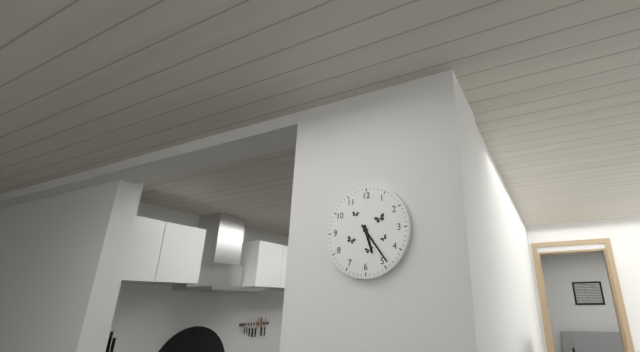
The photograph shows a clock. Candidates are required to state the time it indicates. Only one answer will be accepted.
5:24
